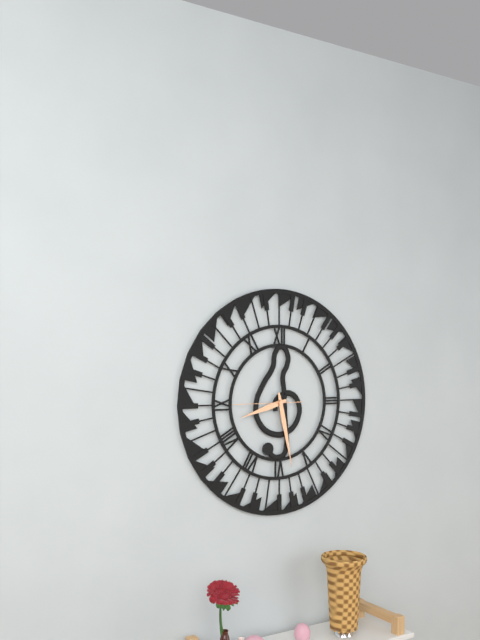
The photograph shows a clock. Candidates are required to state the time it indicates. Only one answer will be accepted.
8:28:45
